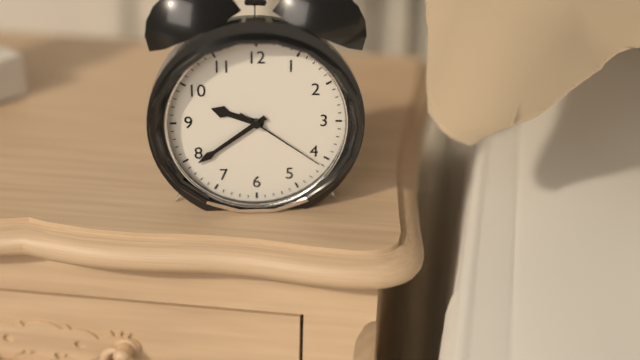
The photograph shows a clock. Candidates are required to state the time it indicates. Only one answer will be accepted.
9:39:21
